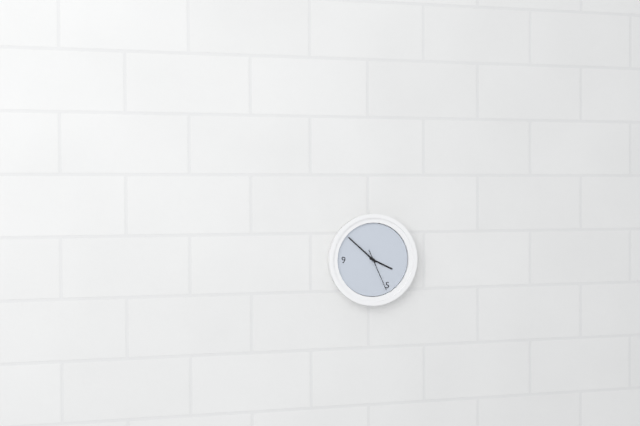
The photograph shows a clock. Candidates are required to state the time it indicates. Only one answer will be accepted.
3:52
